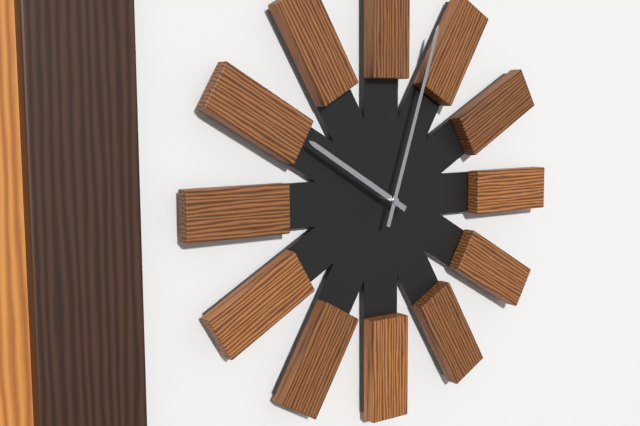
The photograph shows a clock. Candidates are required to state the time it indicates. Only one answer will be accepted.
10:03
